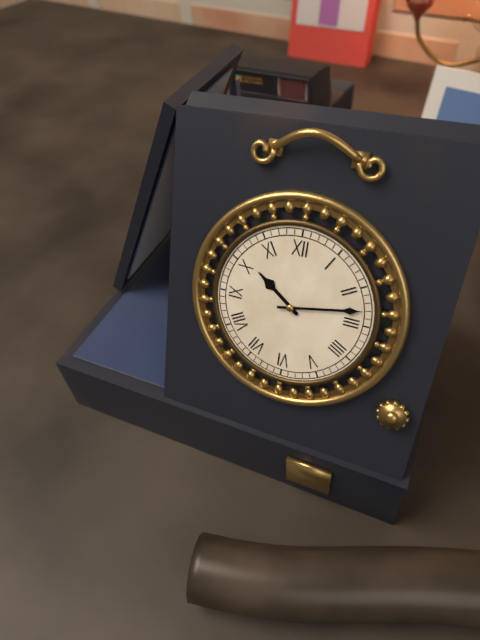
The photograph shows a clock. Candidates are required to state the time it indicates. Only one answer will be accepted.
10:13
